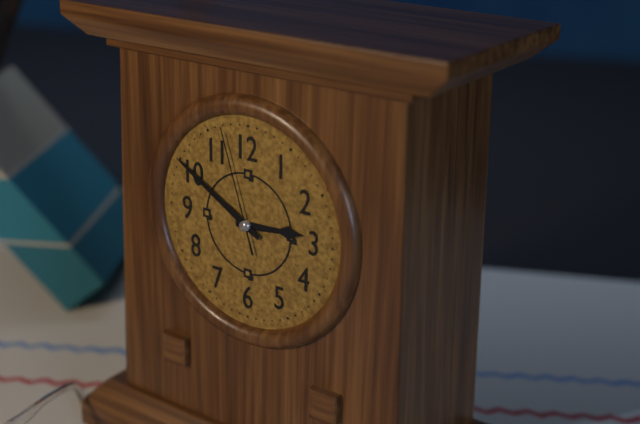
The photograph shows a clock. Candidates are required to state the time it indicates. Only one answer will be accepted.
2:50:57
